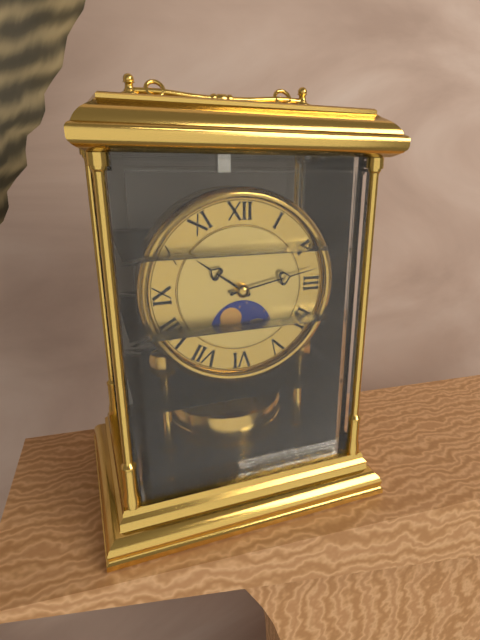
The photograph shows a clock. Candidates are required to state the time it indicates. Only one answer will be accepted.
10:13
